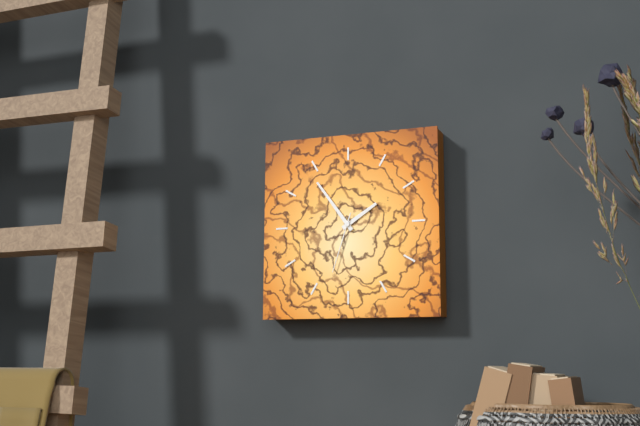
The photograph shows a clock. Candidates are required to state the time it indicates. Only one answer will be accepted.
1:54:33
